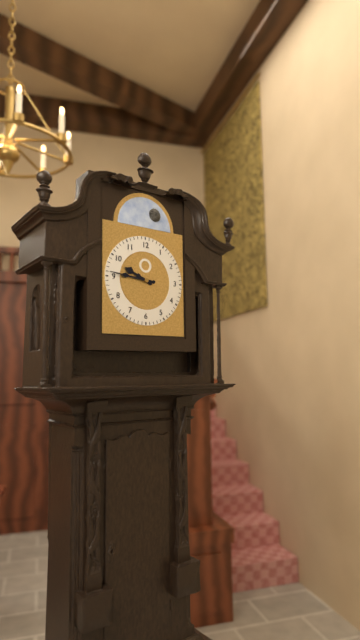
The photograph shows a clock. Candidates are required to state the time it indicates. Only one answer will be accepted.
9:46
